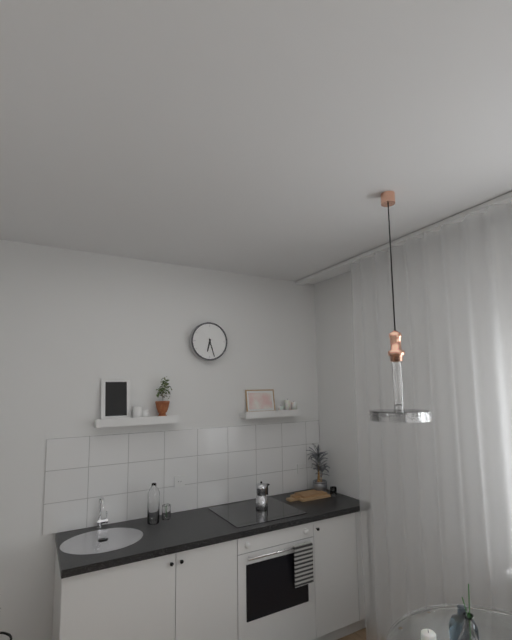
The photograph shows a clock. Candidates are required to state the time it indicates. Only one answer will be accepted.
6:27
